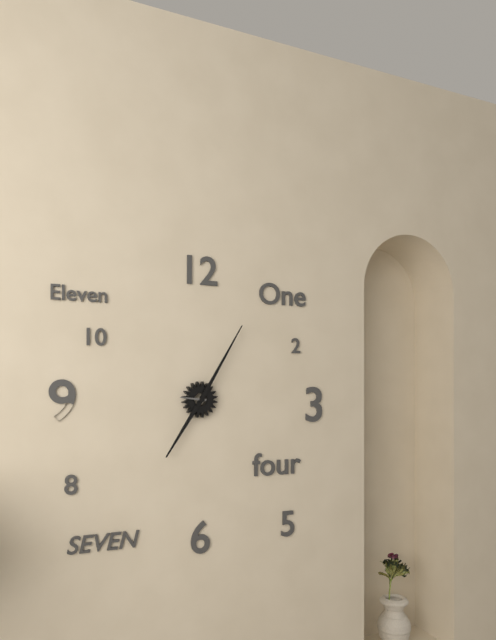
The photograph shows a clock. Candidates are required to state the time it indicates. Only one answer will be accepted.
7:05
